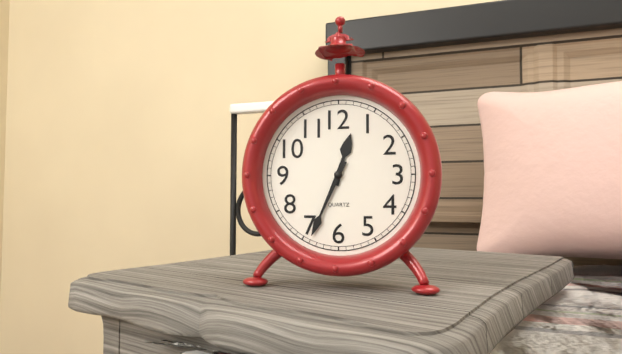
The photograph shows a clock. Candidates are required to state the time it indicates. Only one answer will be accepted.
12:34
